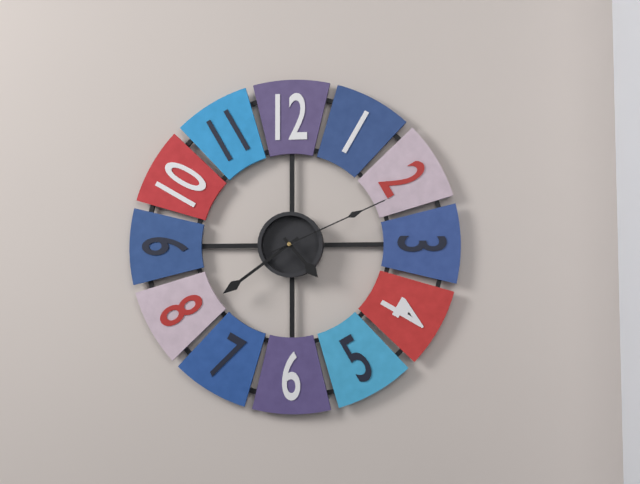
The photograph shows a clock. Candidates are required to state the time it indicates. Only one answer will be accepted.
4:39:11
